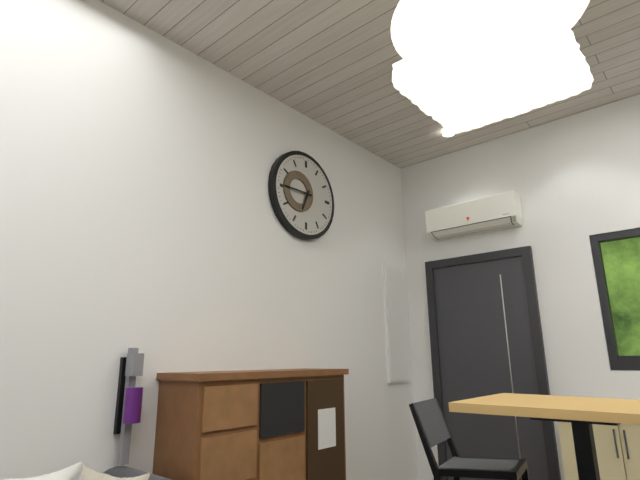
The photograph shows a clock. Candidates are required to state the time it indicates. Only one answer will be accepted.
6:45
